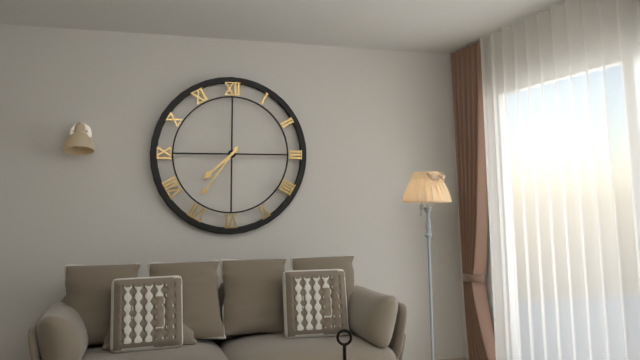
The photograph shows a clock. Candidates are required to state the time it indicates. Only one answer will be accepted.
7:36
